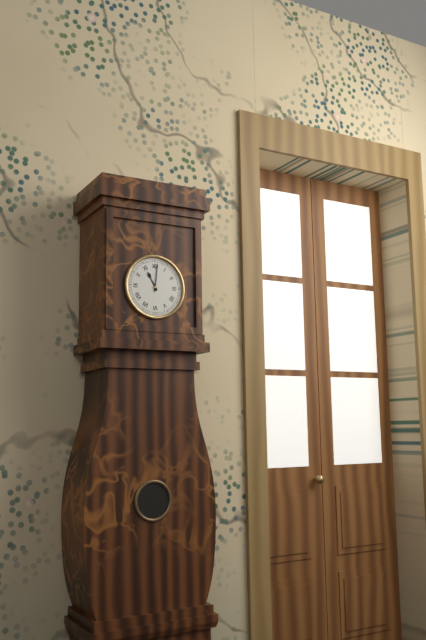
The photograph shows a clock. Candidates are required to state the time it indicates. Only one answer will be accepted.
11:01
